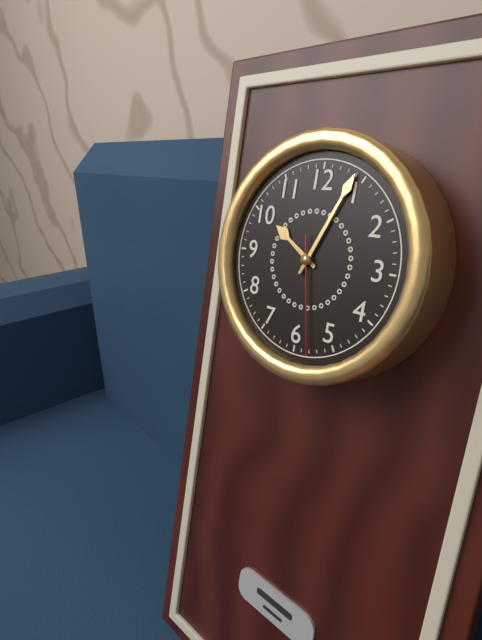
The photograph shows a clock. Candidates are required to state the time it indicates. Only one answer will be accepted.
10:04:28
